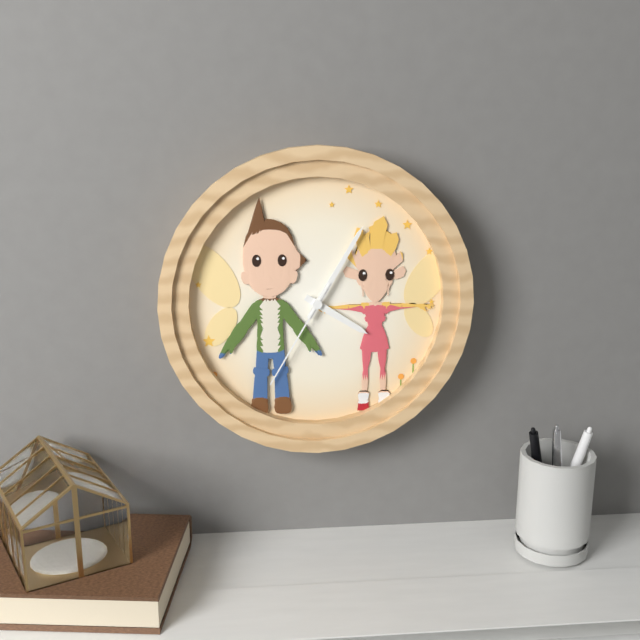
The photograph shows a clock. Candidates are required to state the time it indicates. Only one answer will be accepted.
4:05:35
